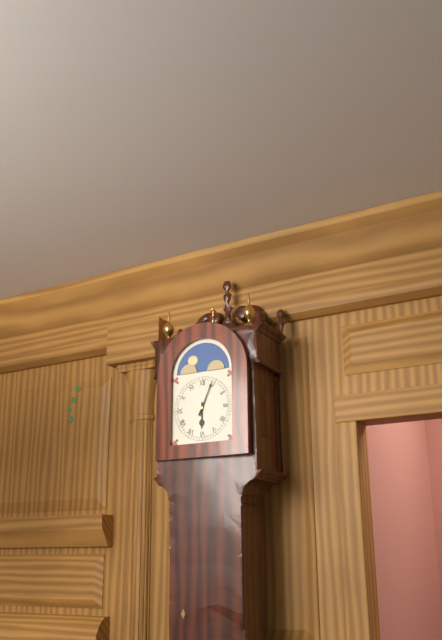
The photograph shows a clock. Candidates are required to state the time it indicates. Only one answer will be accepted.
6:04
